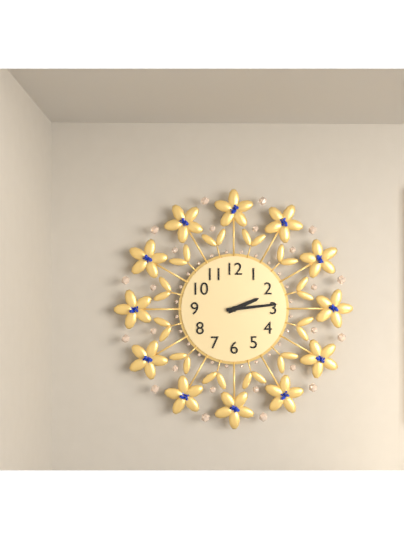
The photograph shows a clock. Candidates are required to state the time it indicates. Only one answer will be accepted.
2:14
